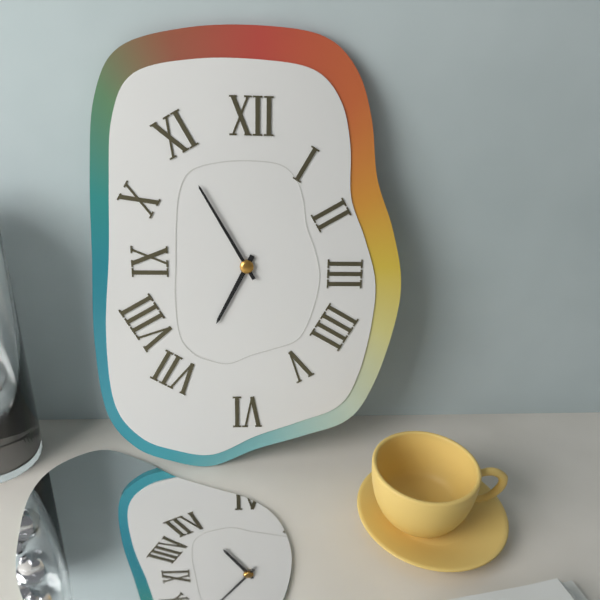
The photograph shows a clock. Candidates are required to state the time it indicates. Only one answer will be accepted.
6:55
